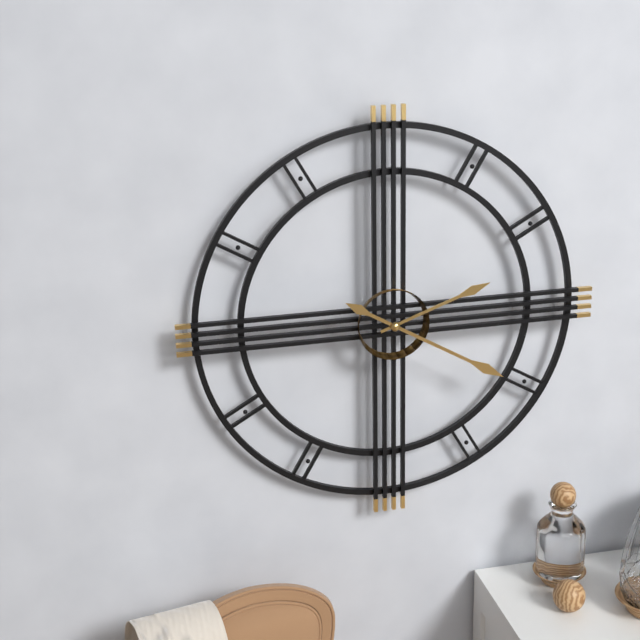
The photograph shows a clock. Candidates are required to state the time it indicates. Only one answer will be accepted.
2:20
